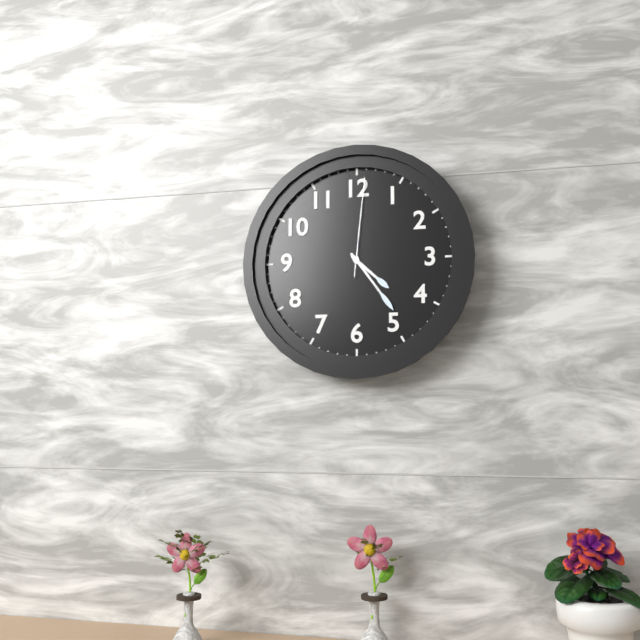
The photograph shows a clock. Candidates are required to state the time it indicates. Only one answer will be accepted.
4:24:01
